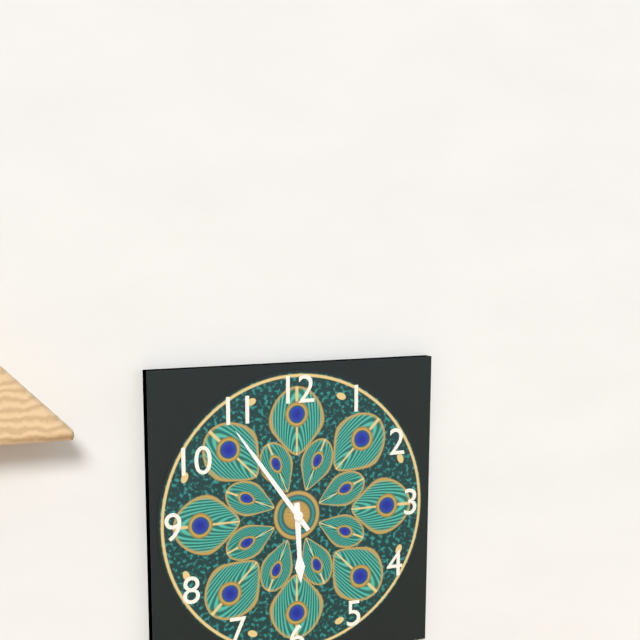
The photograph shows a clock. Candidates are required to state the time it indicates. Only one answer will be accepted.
5:54
